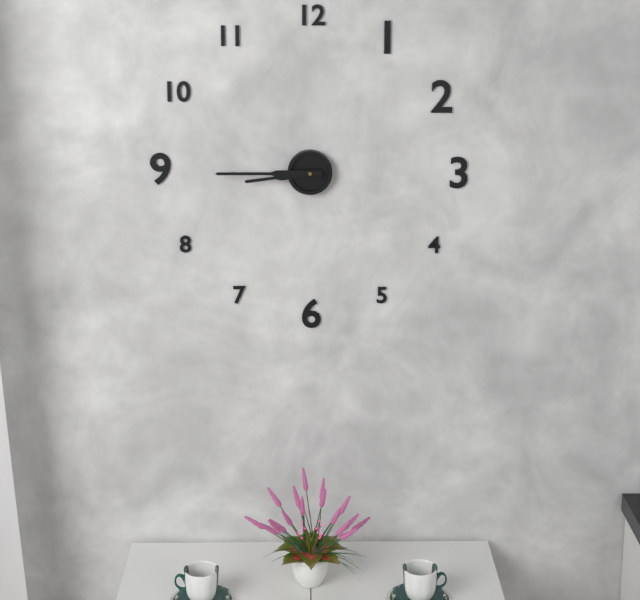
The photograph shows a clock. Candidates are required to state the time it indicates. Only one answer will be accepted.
8:45
